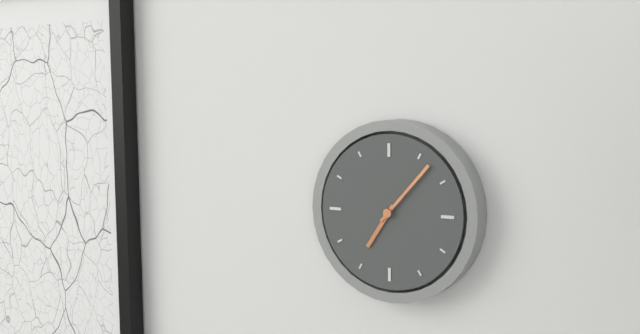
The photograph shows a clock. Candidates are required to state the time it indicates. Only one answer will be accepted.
7:07
